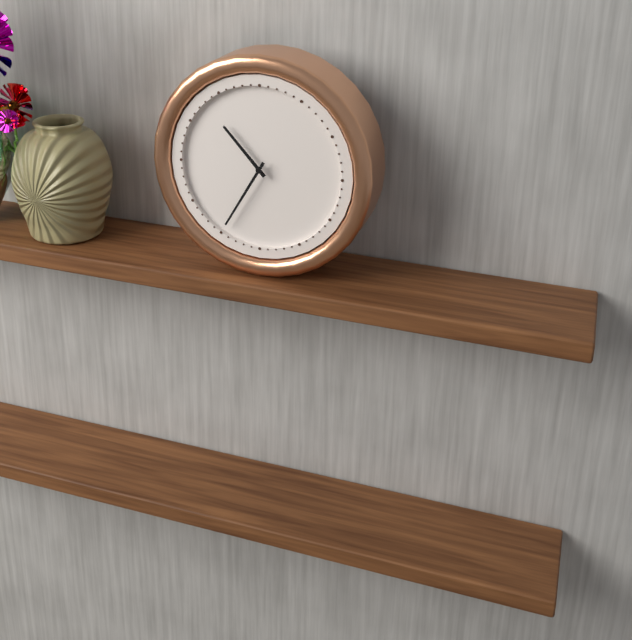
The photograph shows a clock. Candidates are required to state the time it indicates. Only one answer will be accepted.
10:35
